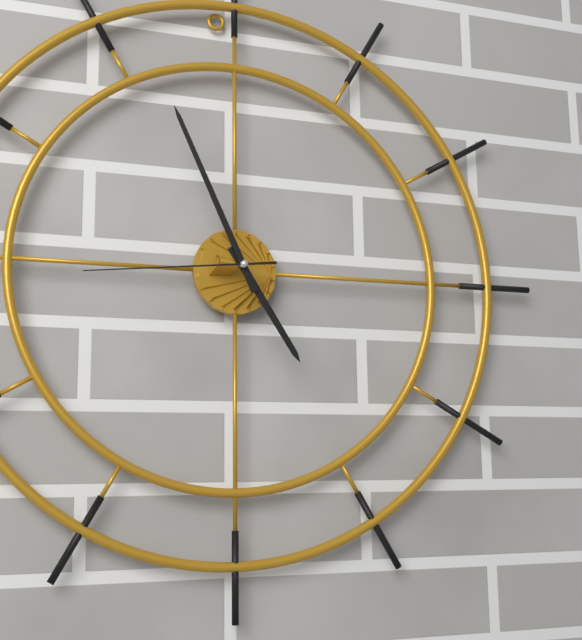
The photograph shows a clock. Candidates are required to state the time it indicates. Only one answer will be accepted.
4:56:44
